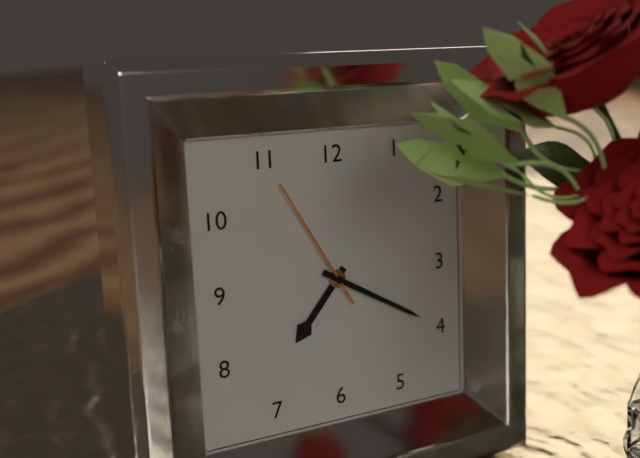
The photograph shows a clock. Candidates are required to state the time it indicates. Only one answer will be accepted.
7:20:55
